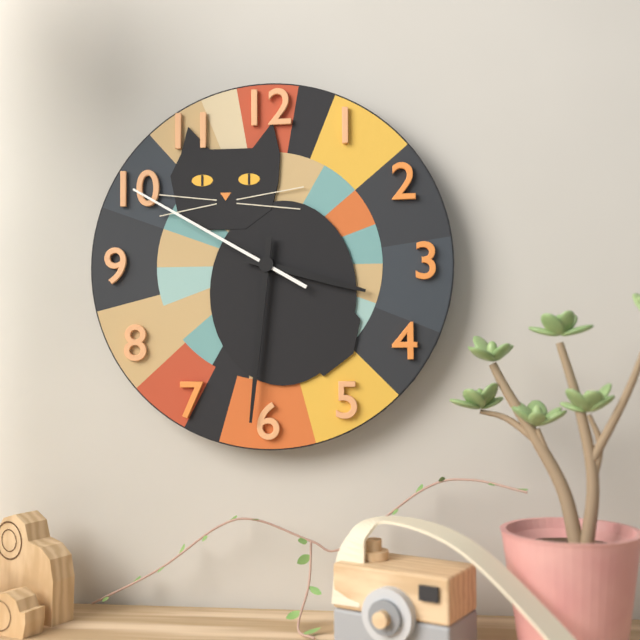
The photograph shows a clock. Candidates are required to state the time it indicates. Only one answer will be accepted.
3:31:50
